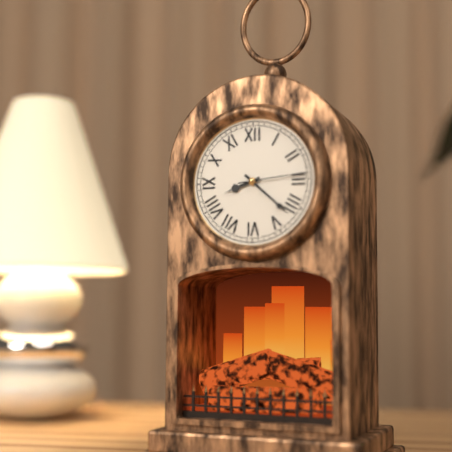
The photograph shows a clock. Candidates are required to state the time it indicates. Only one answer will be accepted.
8:22
